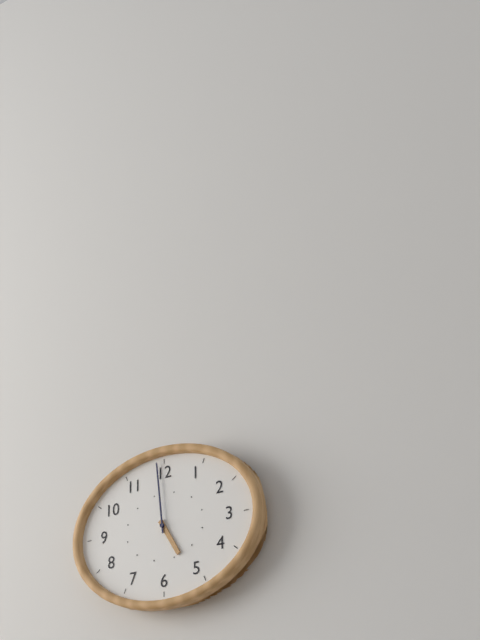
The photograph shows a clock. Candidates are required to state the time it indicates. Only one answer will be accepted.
4:59
